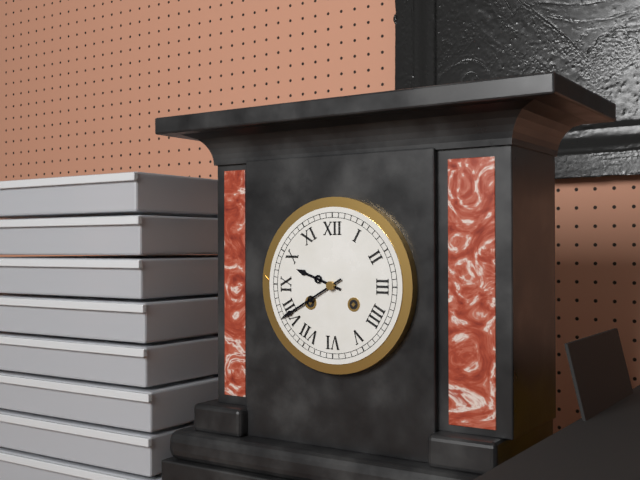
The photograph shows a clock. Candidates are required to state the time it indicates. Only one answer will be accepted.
9:40
